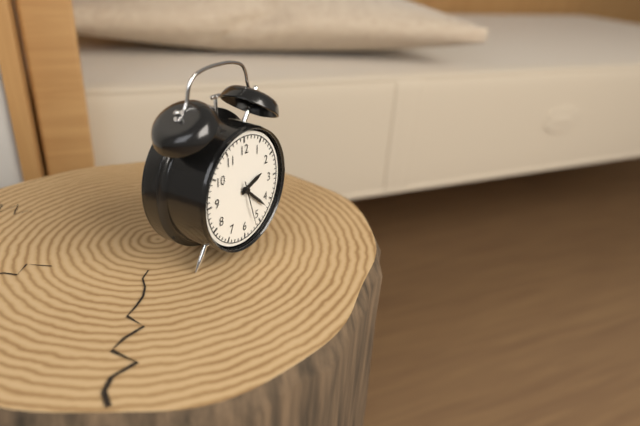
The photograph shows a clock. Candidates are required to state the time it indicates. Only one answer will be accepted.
2:22
